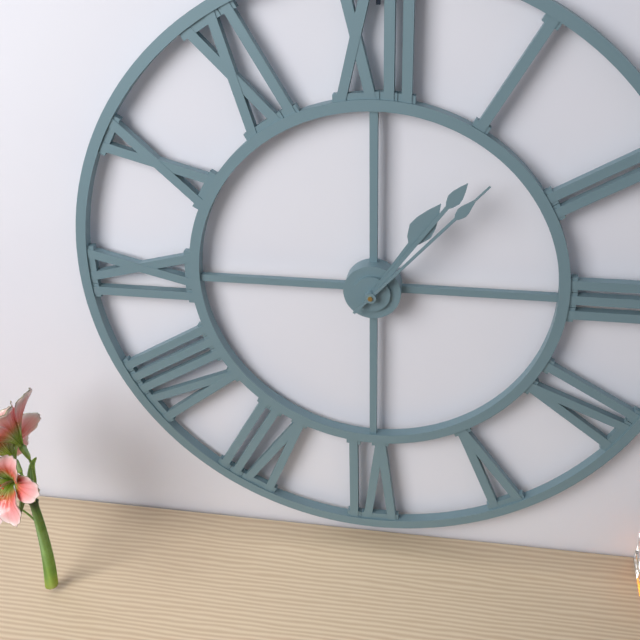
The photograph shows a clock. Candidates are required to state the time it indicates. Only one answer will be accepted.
1:06:07
